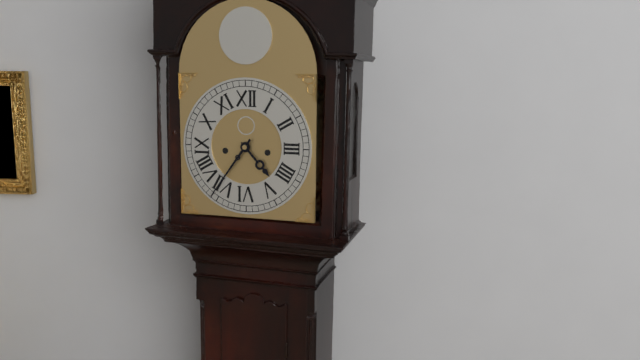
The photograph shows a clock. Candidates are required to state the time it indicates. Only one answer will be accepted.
4:36
